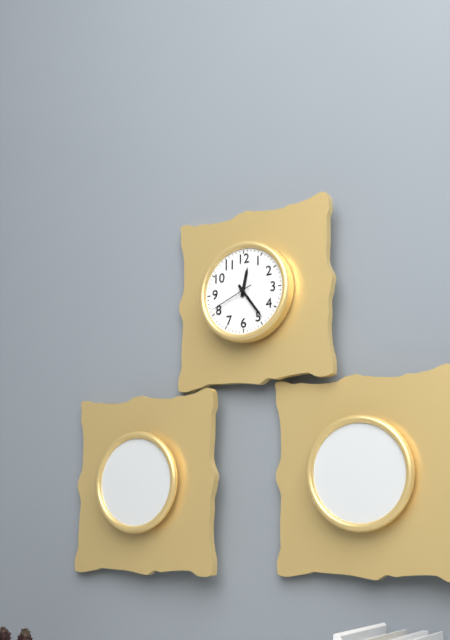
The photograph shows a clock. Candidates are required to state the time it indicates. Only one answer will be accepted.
12:24
